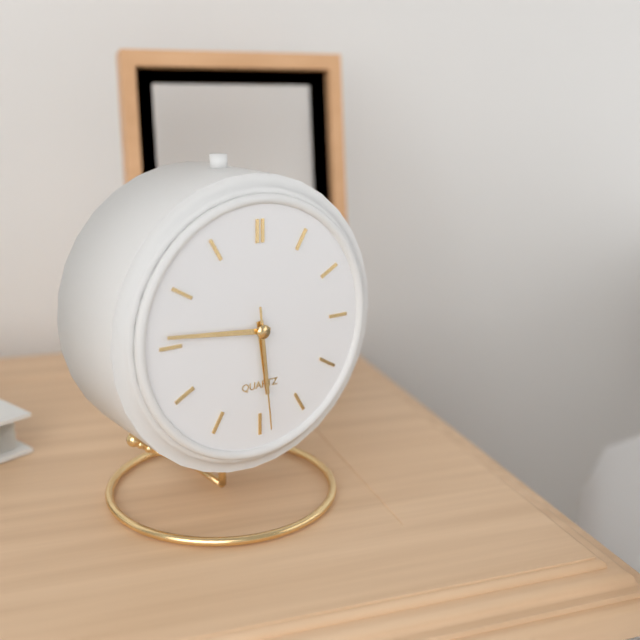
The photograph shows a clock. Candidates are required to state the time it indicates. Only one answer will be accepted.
5:46:29
